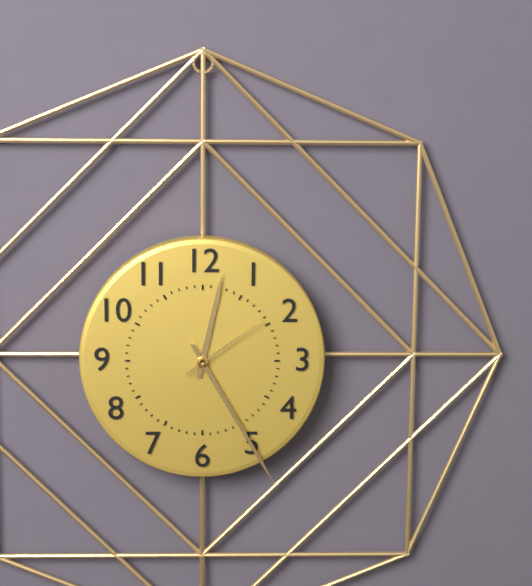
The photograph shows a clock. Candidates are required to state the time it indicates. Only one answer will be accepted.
12:25:09
